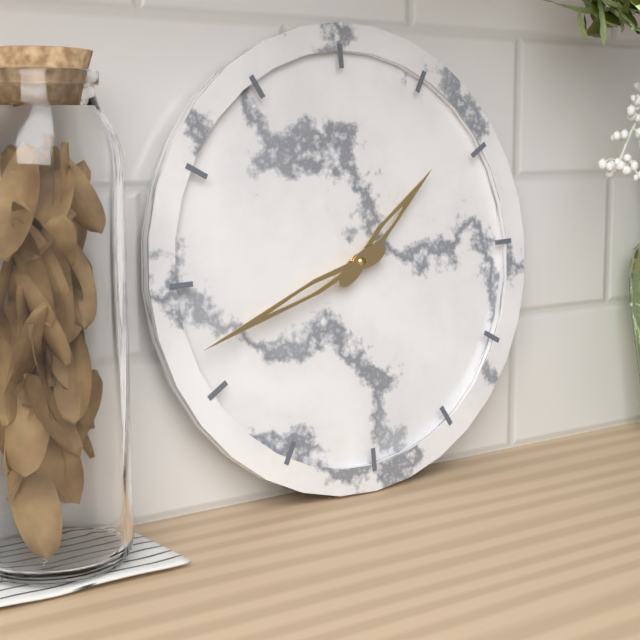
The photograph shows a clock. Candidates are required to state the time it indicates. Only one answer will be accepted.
1:42
